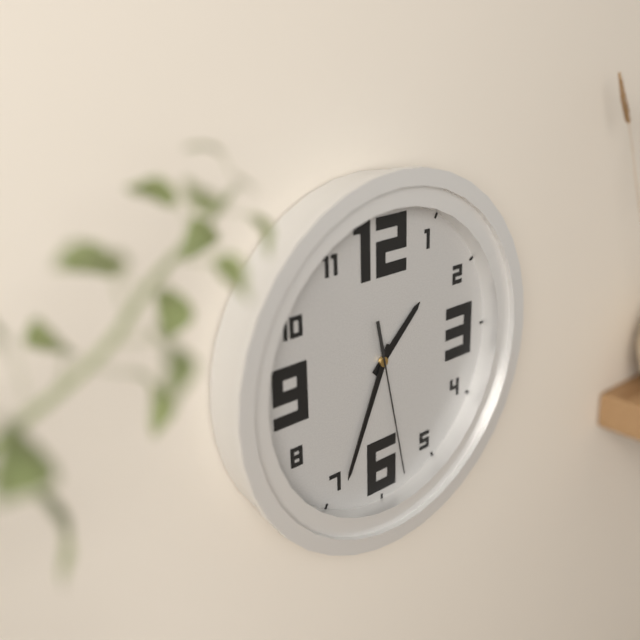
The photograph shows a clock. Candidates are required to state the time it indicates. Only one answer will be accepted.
1:34:28
